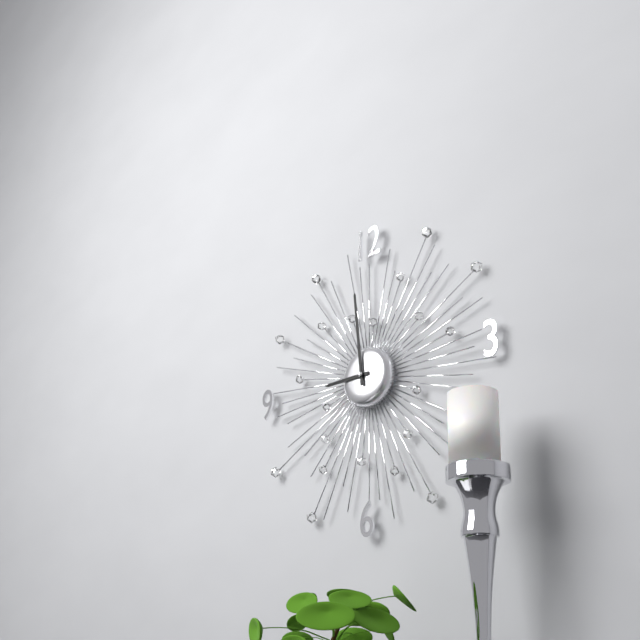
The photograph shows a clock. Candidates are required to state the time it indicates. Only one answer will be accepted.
8:59
